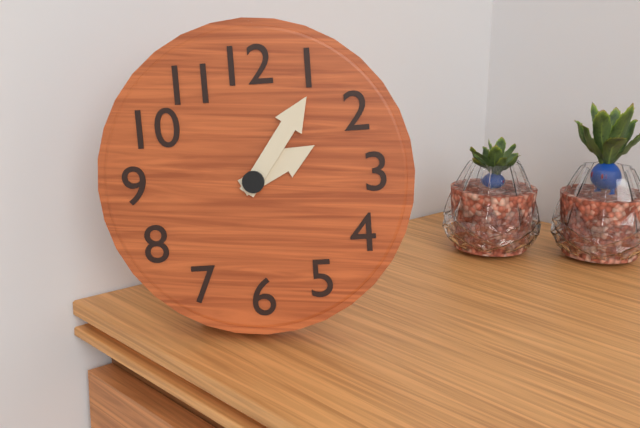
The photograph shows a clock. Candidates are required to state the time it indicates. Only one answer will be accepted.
2:06
